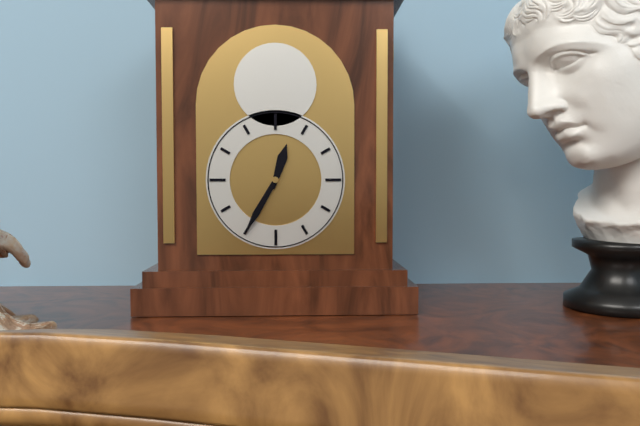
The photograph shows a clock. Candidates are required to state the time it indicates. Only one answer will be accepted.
12:35
